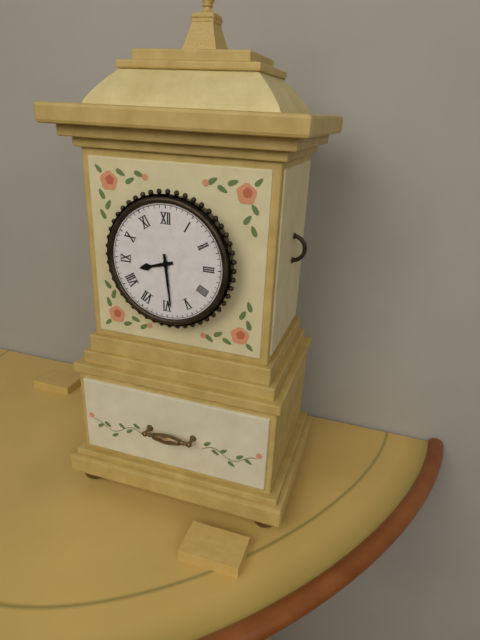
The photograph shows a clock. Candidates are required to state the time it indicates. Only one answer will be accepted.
8:29
